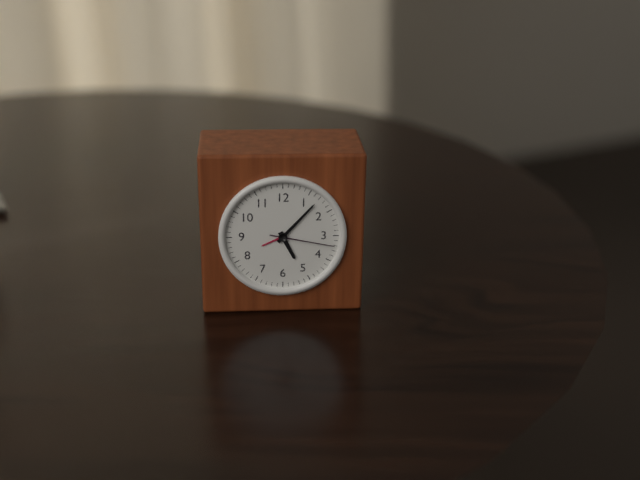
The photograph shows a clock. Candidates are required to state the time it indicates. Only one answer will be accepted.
5:07:17
